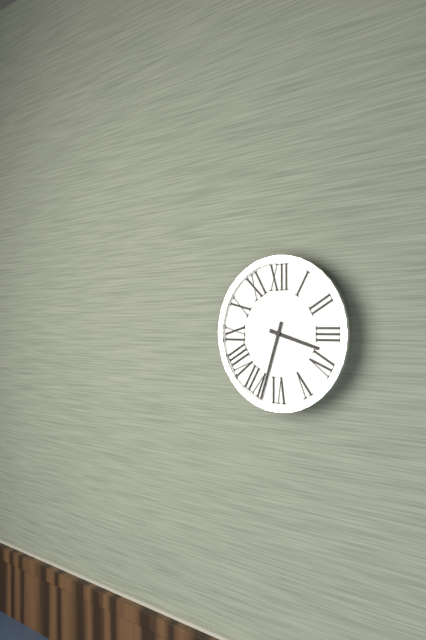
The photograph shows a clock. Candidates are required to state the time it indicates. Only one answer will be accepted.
3:33
